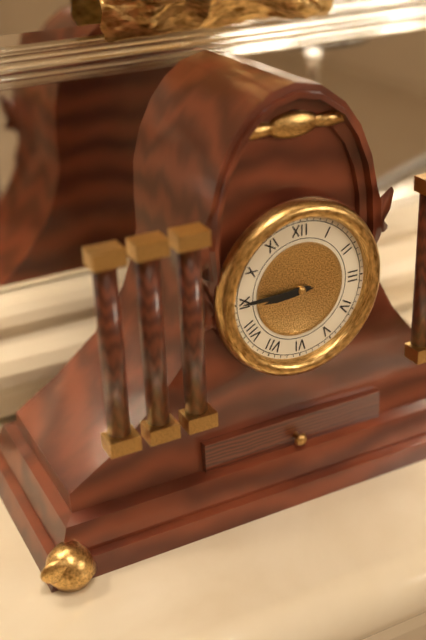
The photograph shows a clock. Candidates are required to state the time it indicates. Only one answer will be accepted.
8:45
